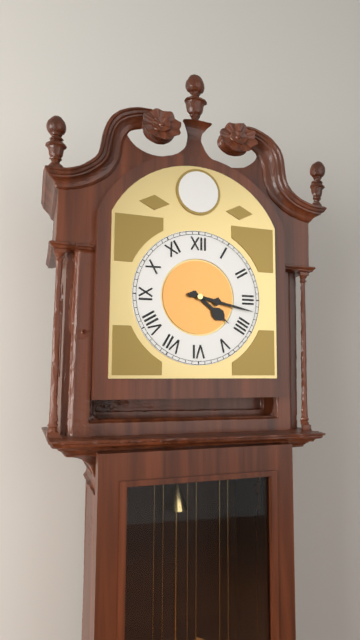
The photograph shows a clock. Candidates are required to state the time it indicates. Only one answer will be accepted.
4:17
